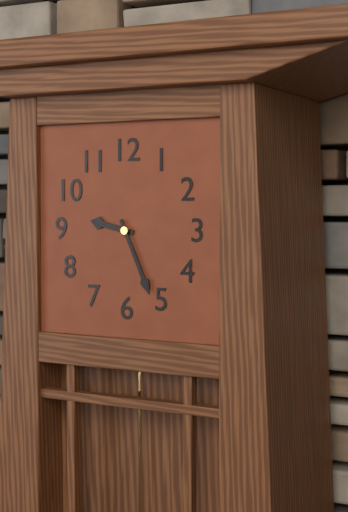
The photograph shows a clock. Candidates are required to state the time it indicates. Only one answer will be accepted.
9:26
